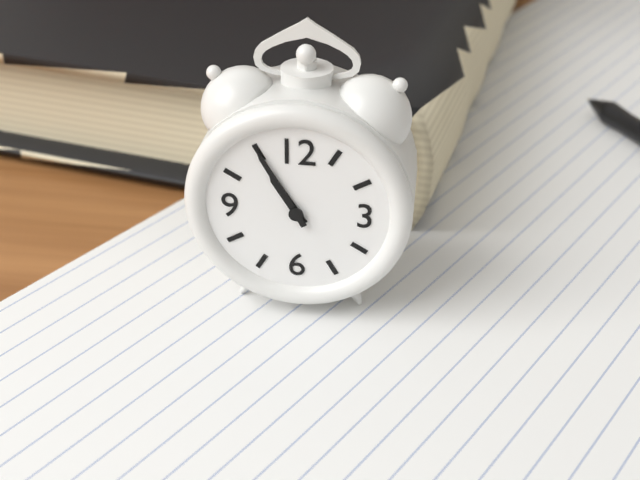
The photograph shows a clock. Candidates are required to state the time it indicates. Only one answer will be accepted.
10:55
